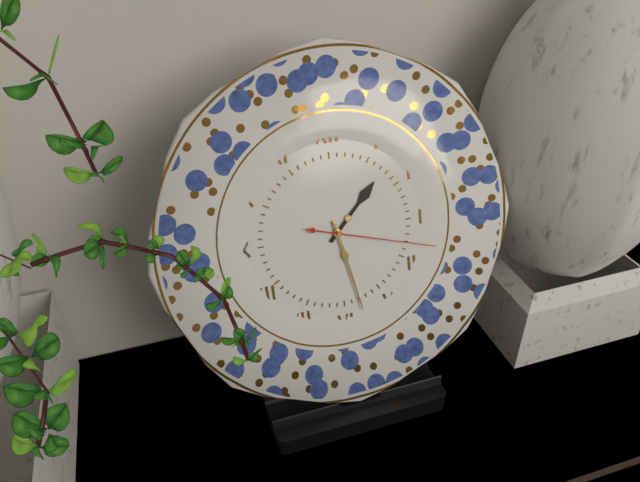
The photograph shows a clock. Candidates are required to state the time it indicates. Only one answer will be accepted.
1:28:18
